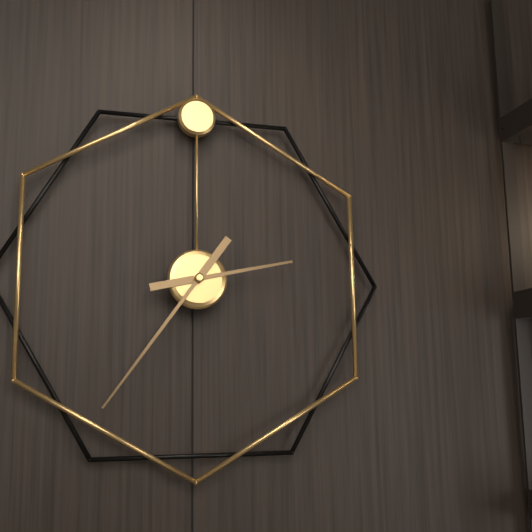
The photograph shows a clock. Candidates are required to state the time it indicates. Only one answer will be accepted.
2:36
